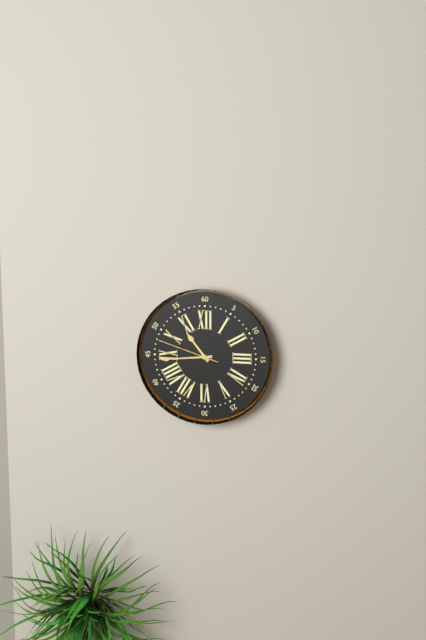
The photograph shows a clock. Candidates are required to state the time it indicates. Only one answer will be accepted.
10:44:48
